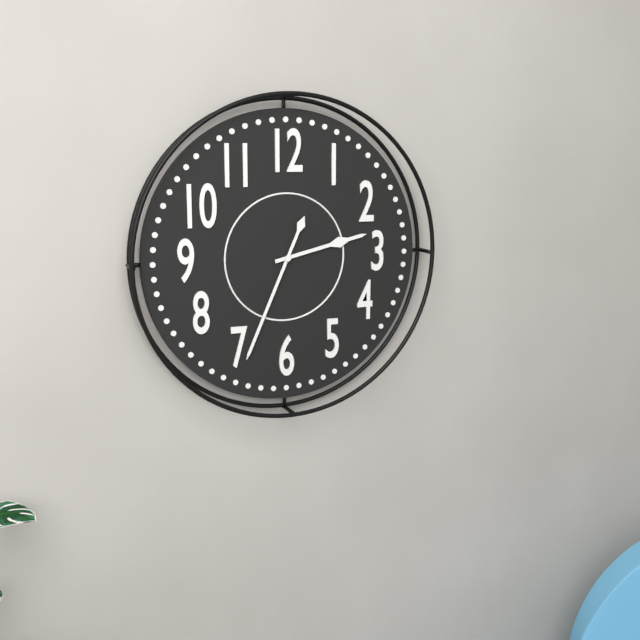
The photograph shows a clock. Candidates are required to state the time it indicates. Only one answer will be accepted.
2:34
